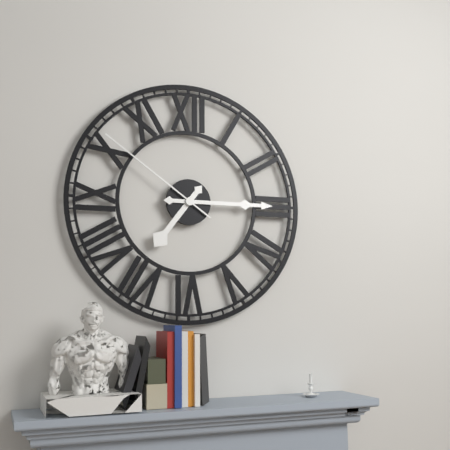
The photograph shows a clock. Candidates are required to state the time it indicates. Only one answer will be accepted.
7:15:51
